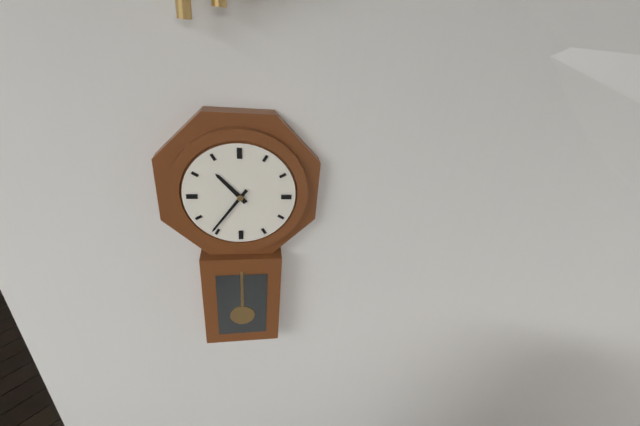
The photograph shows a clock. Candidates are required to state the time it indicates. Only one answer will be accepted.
10:36
